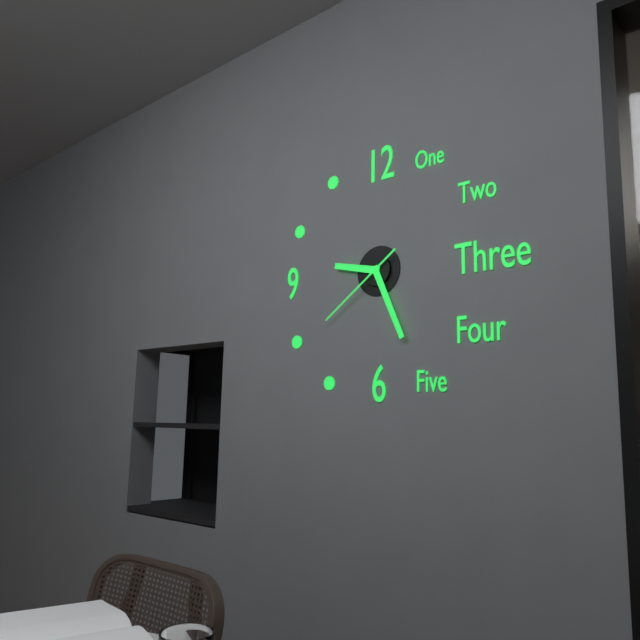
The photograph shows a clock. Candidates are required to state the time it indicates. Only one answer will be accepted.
9:26:39
